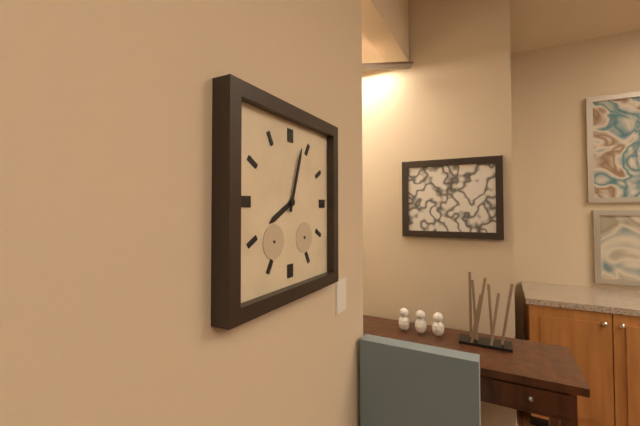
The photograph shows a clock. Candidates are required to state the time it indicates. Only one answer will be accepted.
8:03
